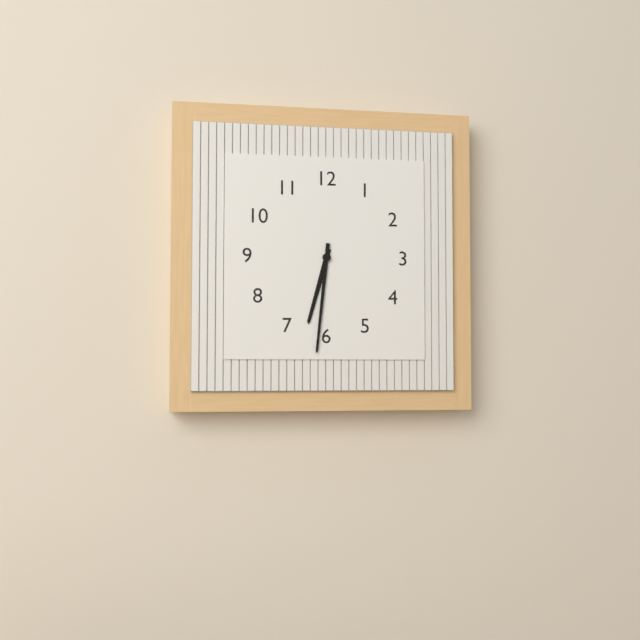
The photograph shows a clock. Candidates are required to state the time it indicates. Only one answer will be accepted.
6:31
